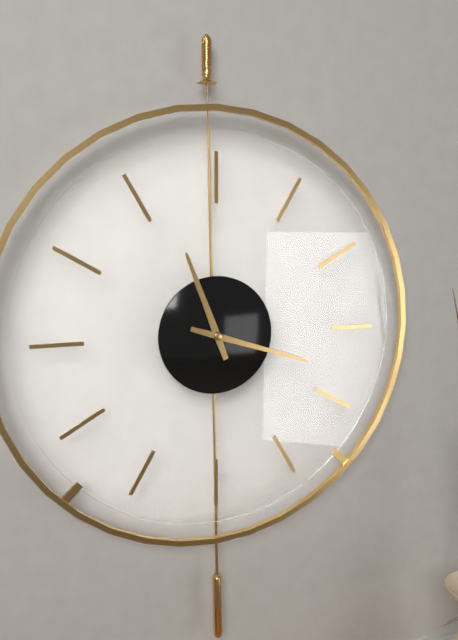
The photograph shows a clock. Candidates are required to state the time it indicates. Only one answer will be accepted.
11:18
